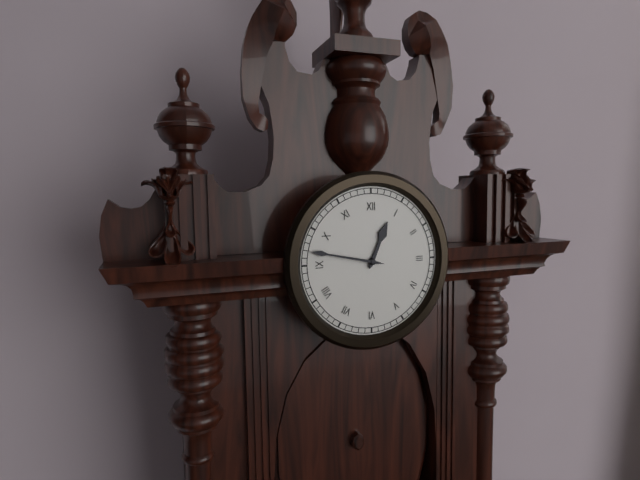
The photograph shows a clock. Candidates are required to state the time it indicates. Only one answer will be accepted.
12:47
